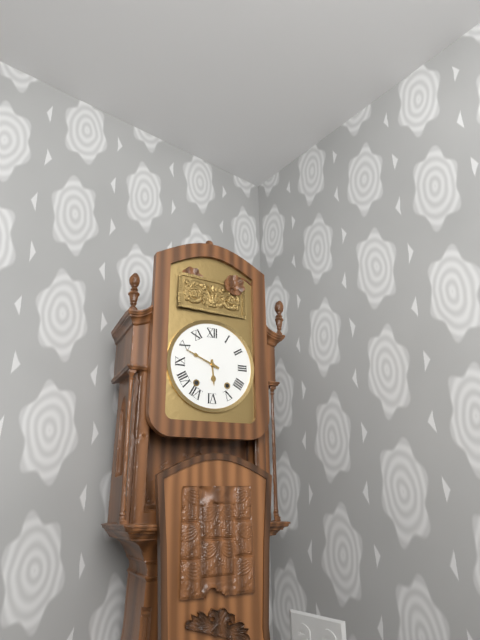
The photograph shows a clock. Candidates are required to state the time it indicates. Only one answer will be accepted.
5:49
